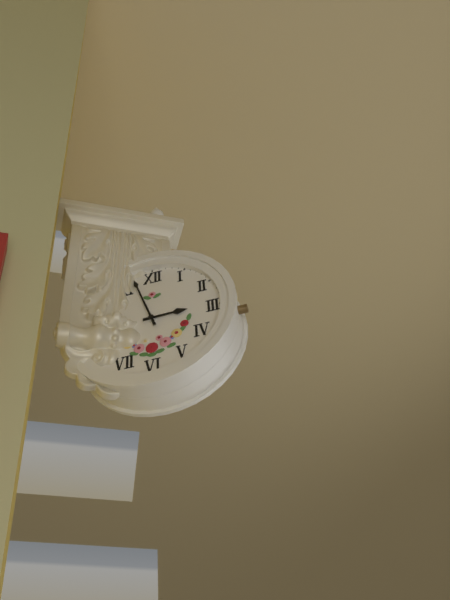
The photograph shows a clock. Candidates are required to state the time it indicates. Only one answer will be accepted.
2:57
